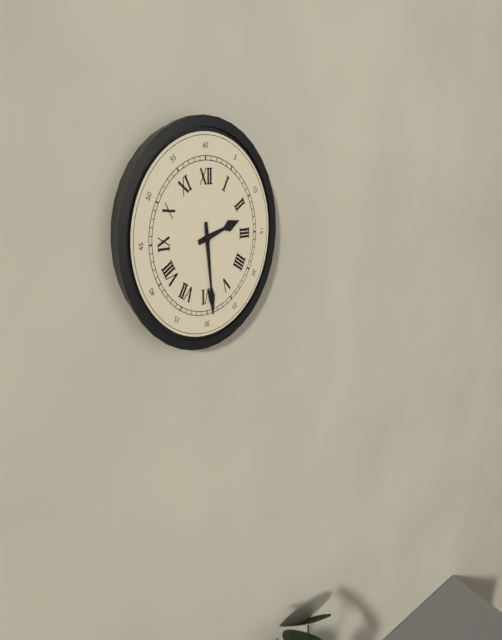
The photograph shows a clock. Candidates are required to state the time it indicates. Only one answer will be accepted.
2:29
